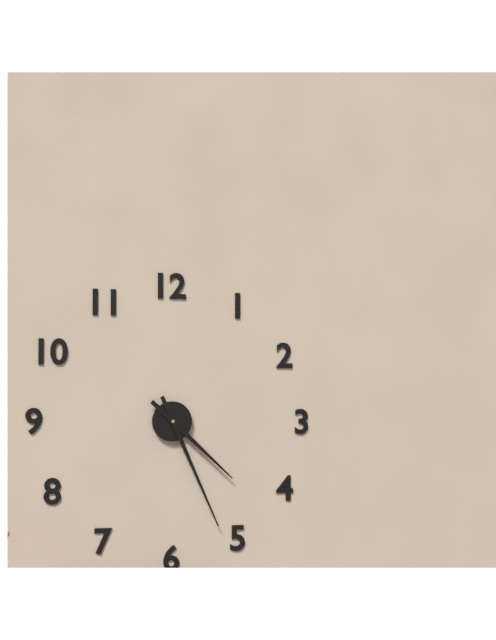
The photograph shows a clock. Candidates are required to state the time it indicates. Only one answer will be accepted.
4:26
